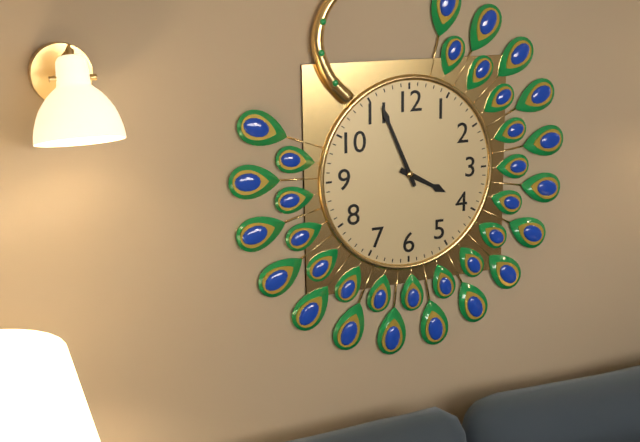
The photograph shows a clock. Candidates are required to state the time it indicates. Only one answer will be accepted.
3:56
